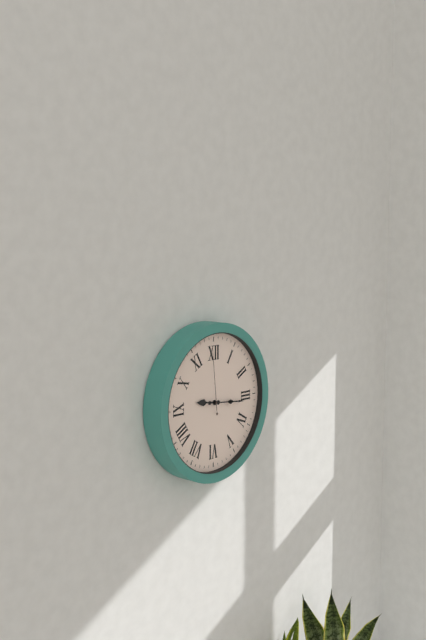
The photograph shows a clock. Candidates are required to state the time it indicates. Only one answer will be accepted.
9:16:59
